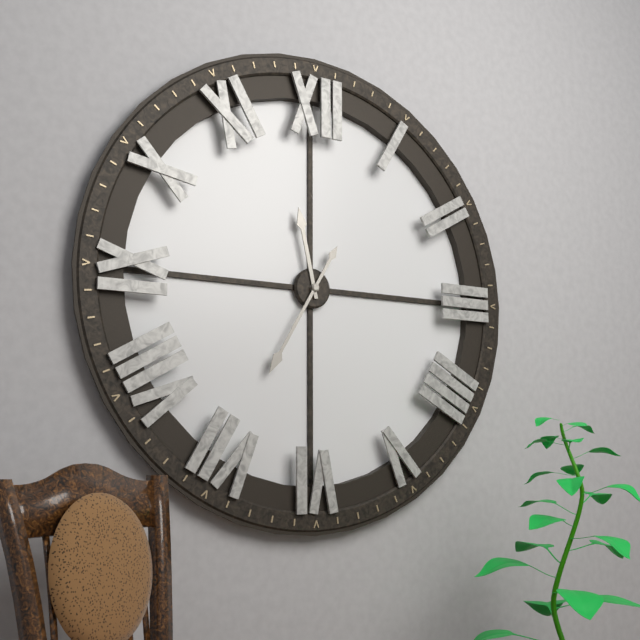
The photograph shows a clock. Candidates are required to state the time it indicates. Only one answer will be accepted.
11:35
